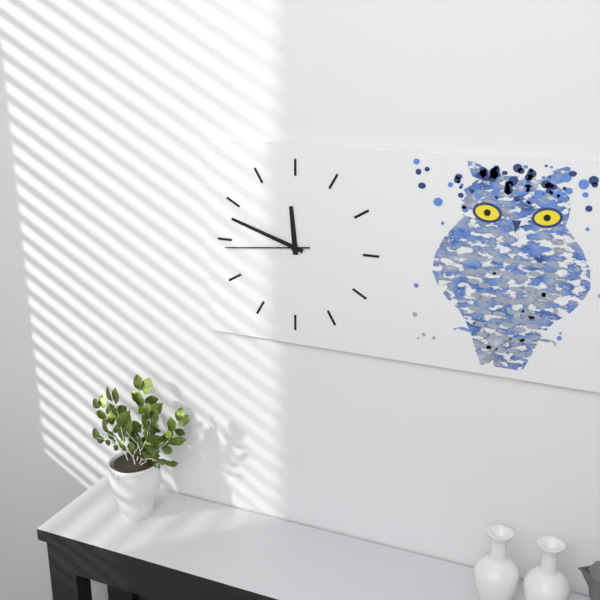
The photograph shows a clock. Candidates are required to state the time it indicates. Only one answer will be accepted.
11:48:44
